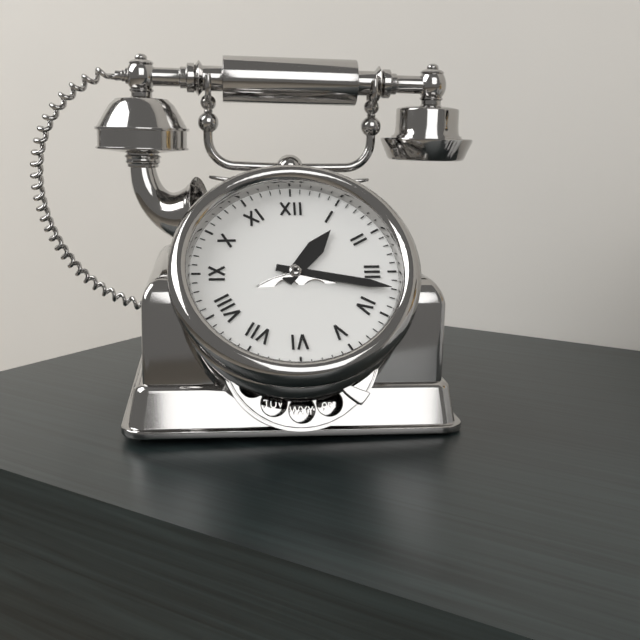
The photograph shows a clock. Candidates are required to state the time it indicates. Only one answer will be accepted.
1:17
